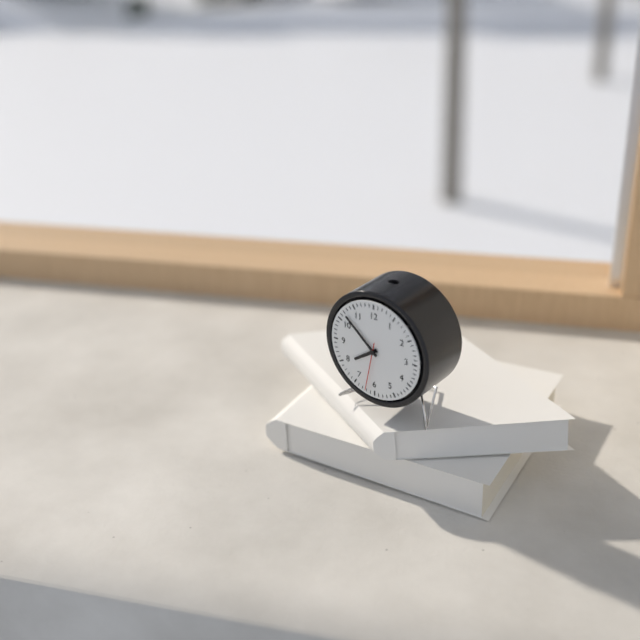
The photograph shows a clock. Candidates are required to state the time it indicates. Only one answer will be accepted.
7:52:32
